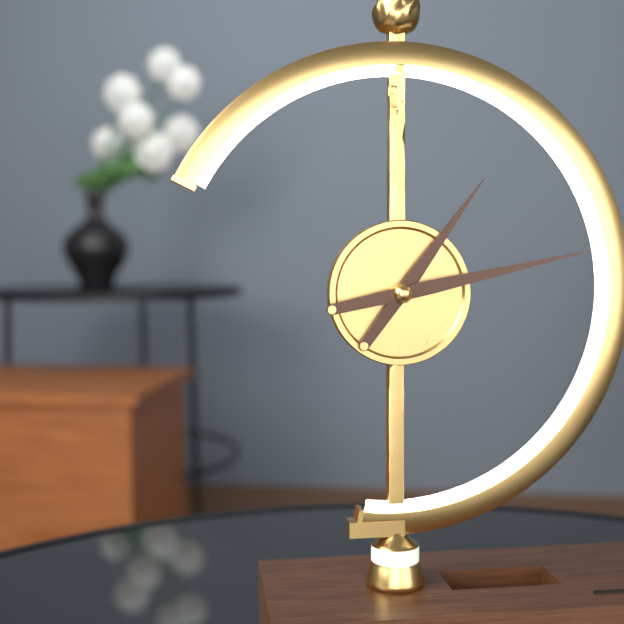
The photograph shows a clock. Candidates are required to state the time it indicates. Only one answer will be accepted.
1:13
